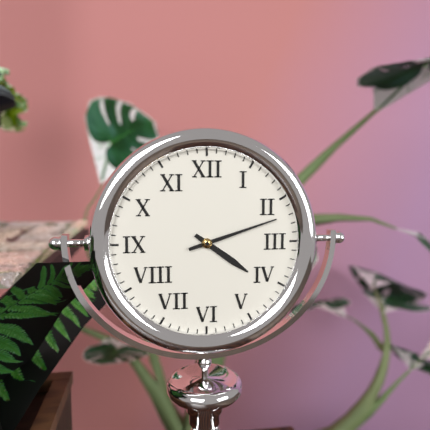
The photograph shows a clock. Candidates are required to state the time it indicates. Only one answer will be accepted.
4:12
